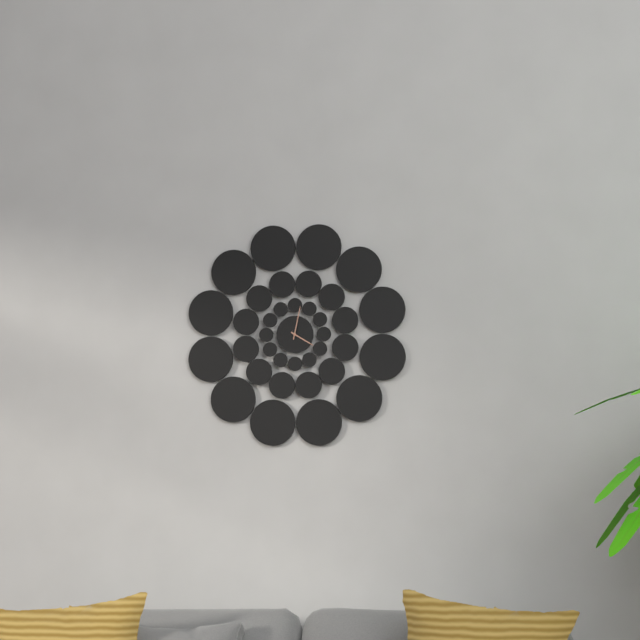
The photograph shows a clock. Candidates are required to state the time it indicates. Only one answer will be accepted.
4:02
